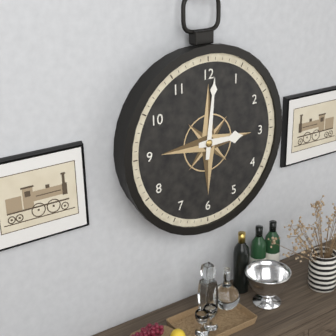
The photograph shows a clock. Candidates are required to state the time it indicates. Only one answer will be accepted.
3:01
